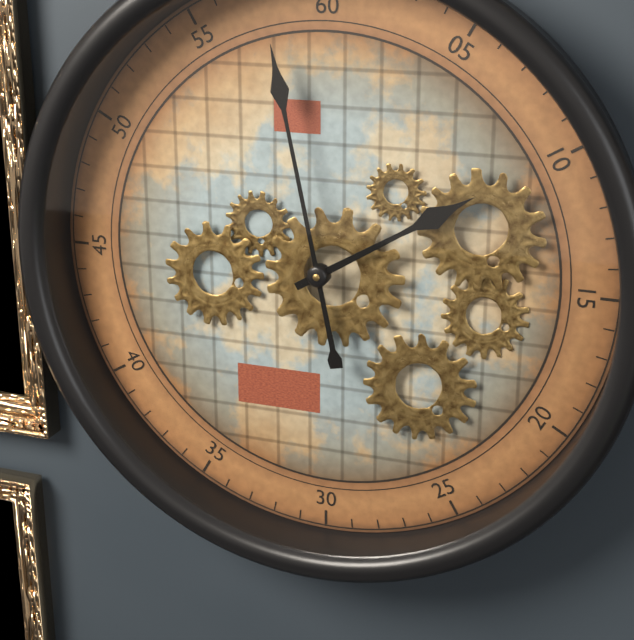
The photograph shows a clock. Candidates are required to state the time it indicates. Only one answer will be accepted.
1:58
